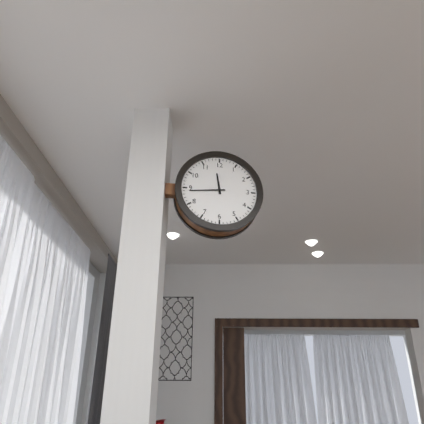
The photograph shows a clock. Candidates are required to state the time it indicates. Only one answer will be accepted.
11:44
